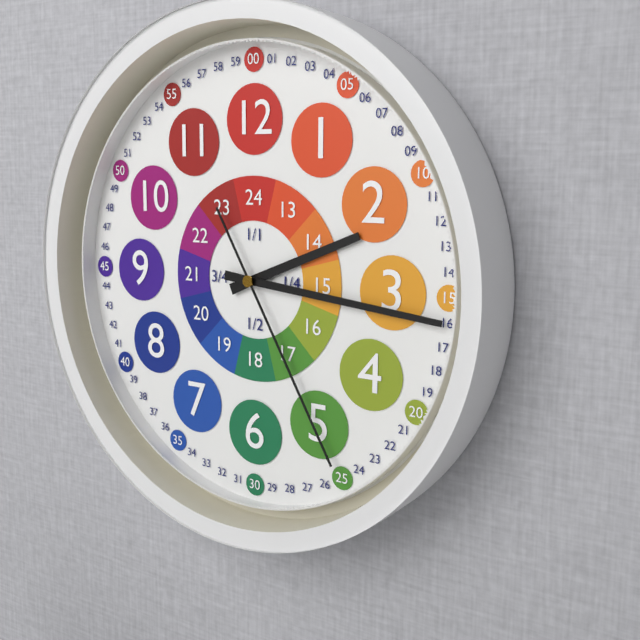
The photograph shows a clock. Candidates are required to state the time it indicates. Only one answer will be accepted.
2:16:25
